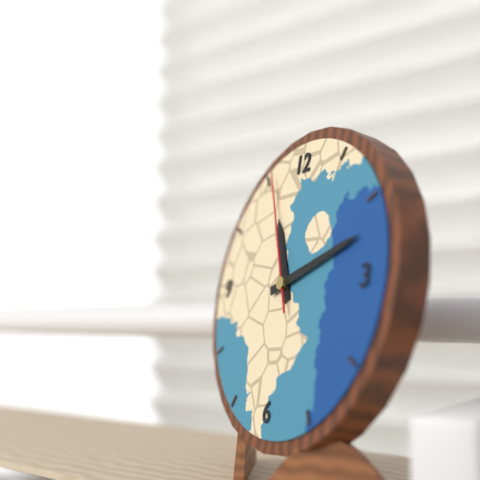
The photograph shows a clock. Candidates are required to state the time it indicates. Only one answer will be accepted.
11:12:56
